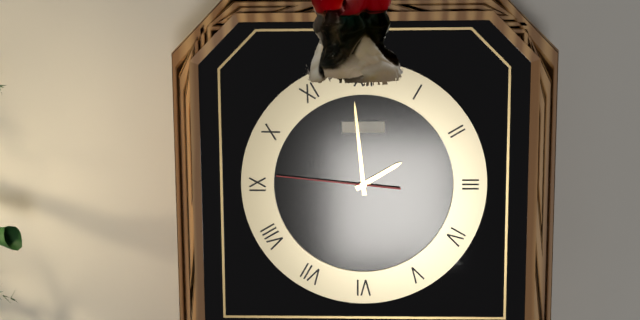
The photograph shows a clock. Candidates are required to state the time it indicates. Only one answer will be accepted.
1:59:46
